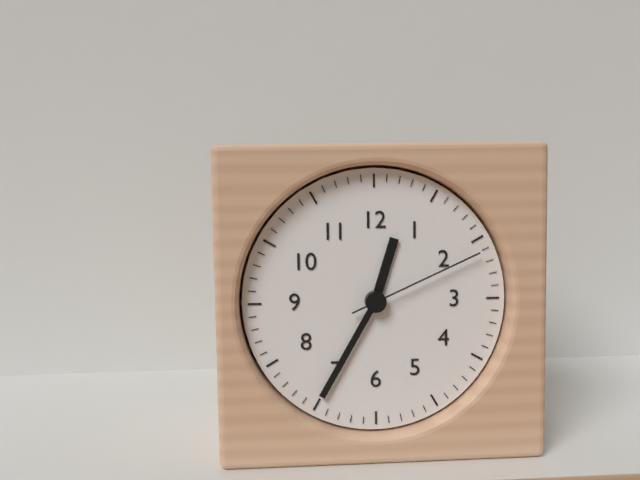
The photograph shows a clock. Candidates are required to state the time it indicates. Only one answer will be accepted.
12:35:11
